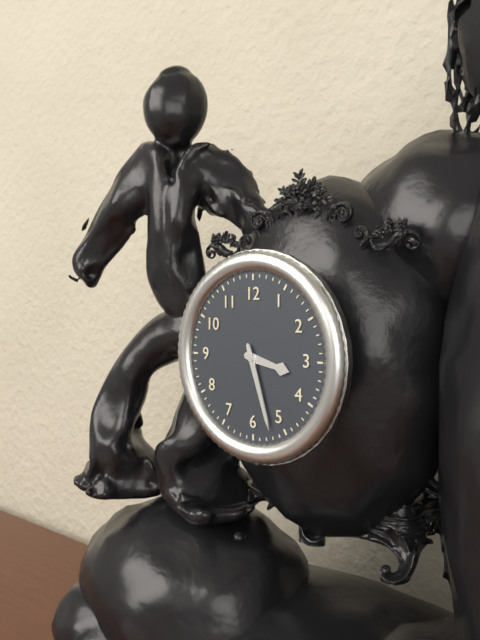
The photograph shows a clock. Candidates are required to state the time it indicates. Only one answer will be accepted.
3:27
